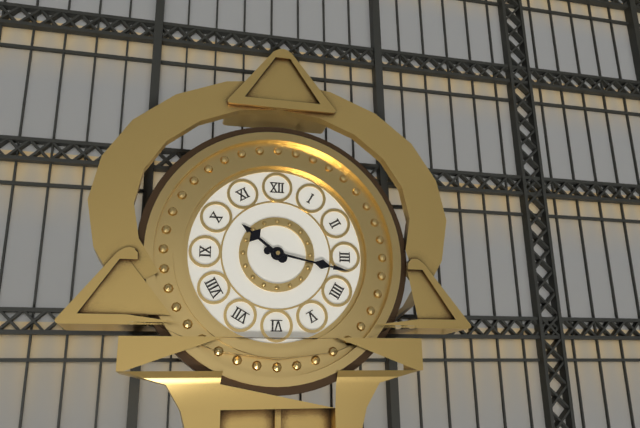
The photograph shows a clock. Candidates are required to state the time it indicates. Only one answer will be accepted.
10:17
